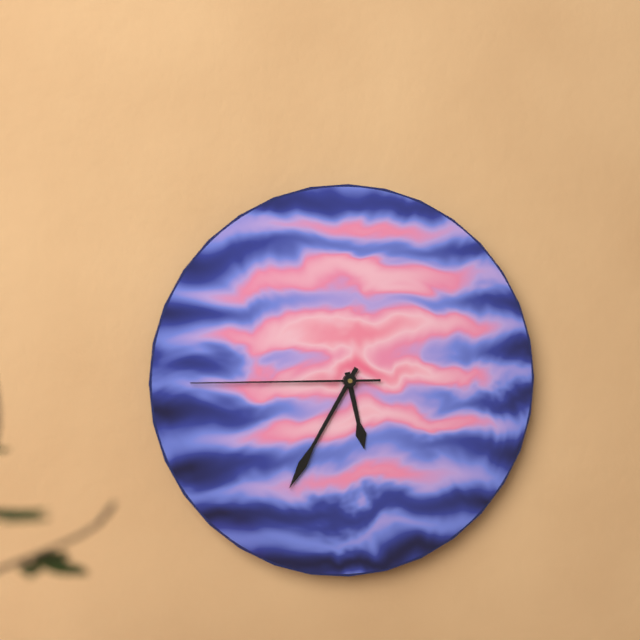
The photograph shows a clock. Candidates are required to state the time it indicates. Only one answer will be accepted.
5:35:45
